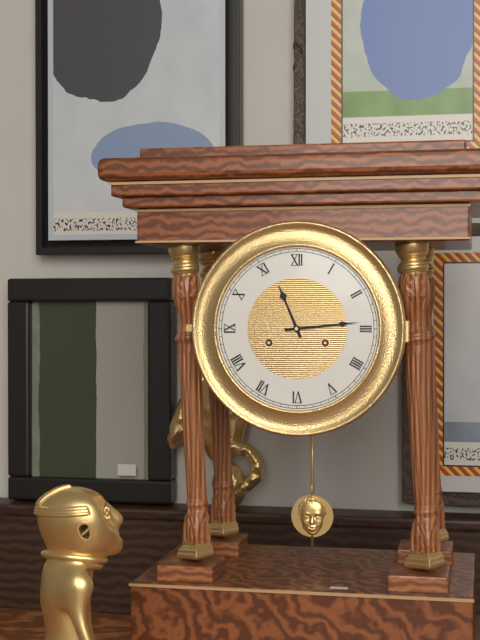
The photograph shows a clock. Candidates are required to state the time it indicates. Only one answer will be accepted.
11:14
